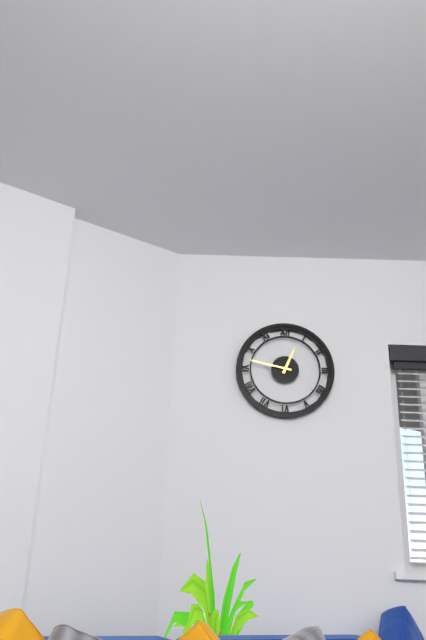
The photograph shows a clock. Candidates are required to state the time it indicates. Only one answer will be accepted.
12:47
